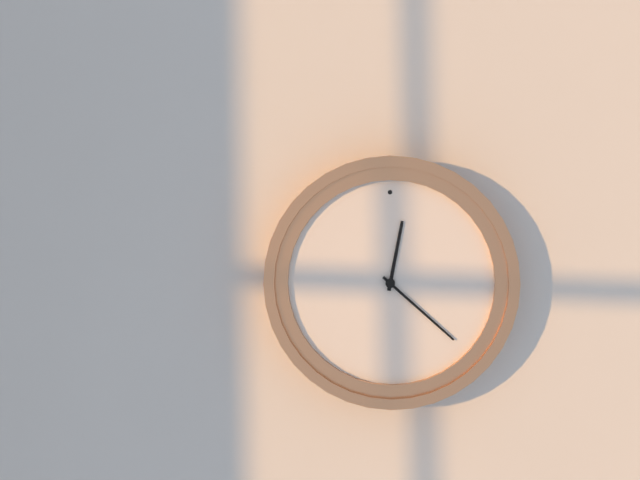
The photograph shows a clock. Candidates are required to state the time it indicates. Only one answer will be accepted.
12:22
